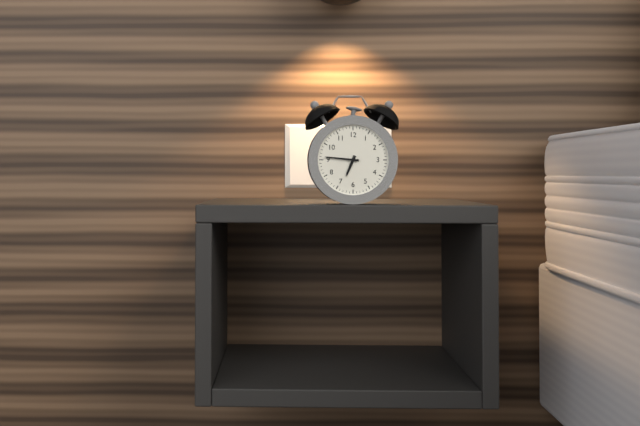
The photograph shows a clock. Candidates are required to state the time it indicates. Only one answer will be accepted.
6:46
